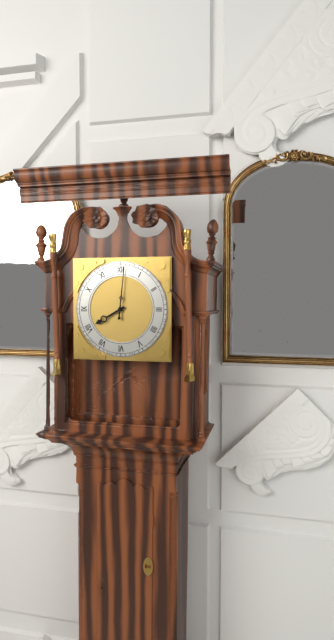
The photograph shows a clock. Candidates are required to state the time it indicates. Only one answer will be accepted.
8:01
